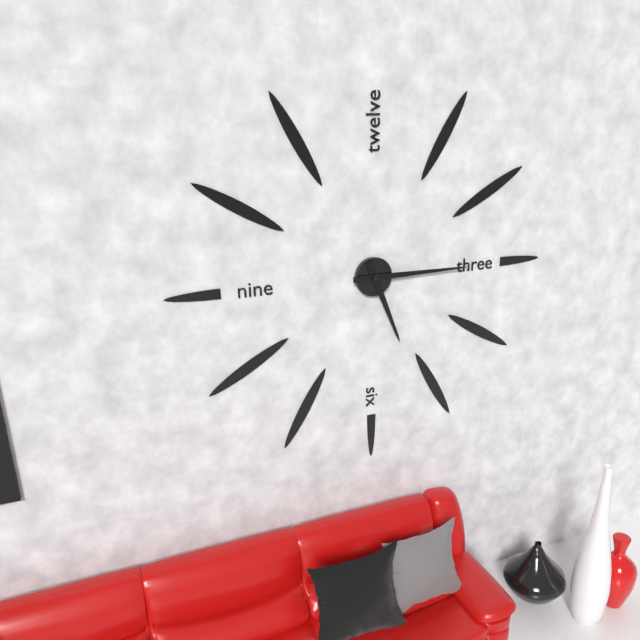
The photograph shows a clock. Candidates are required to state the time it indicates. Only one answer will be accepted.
5:15
